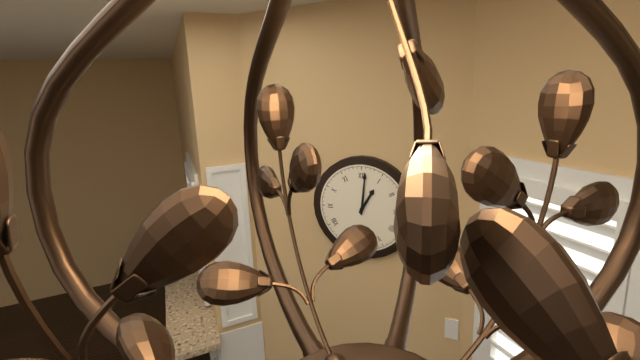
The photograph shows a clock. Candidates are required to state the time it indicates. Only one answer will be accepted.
1:01
